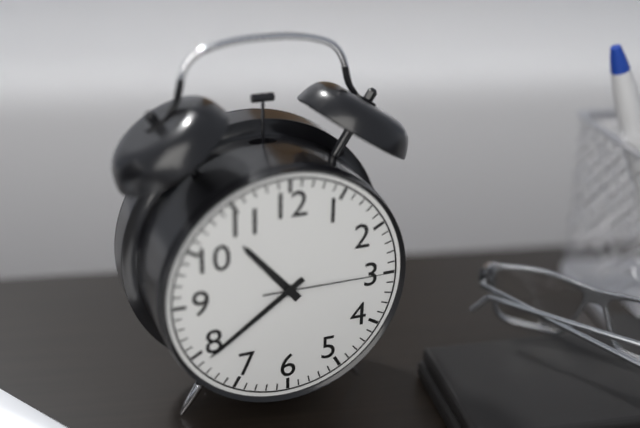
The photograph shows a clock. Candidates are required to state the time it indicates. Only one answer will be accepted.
10:39:15
